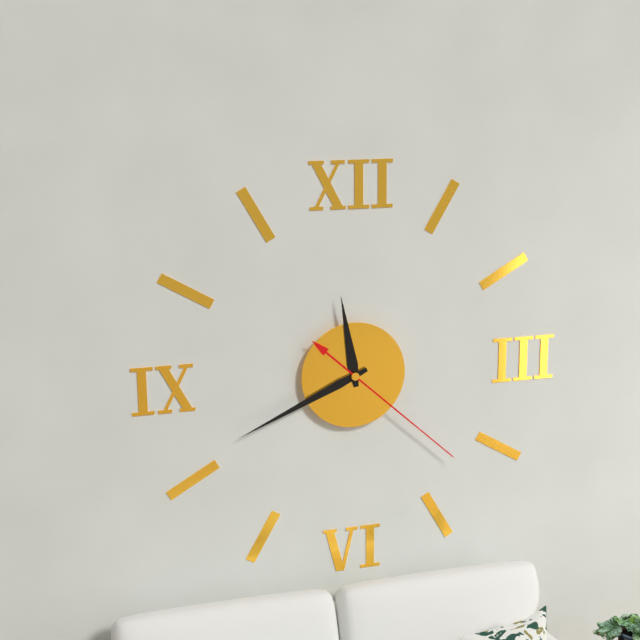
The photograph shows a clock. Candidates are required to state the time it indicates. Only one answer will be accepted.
11:41:22
